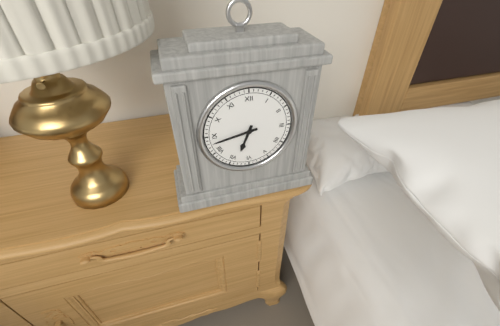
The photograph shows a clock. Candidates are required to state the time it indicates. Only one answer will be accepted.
6:43
